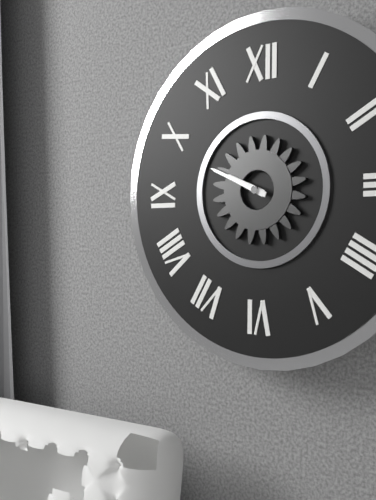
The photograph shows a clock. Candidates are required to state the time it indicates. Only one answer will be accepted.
9:49
